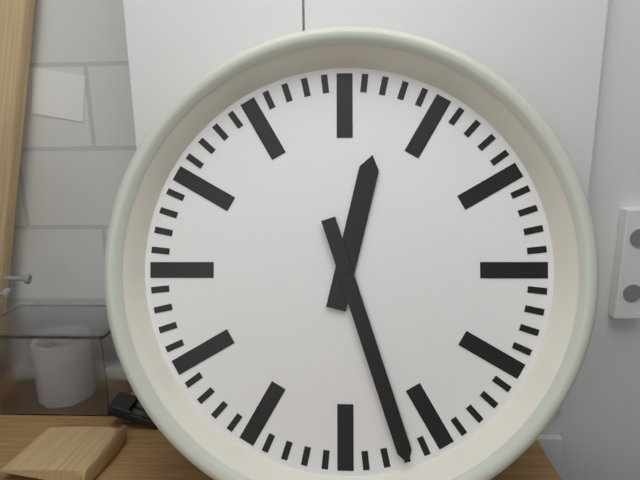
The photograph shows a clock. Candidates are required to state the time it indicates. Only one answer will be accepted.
12:27
